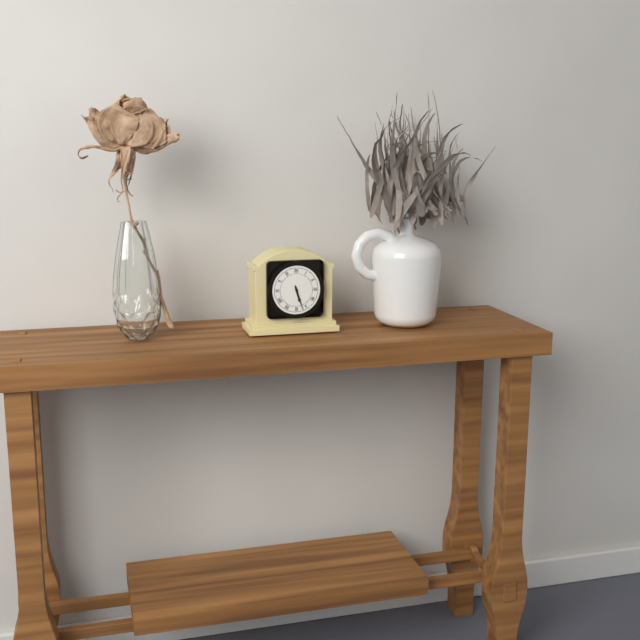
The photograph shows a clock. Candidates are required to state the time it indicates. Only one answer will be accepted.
5:27
